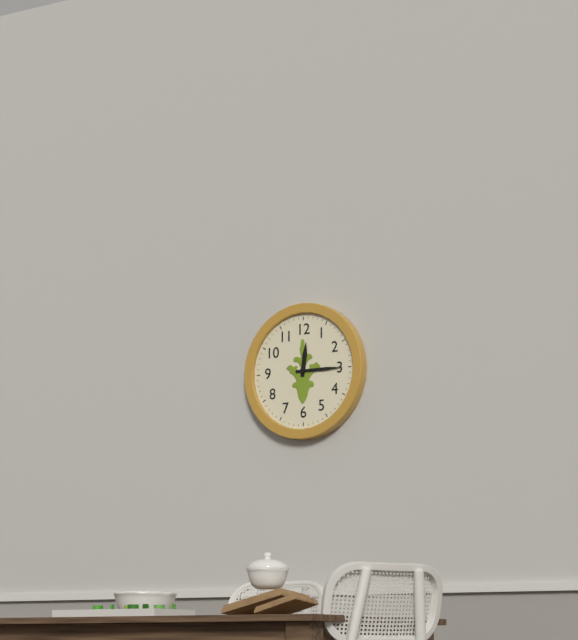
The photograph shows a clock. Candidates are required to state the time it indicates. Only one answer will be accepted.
12:15
